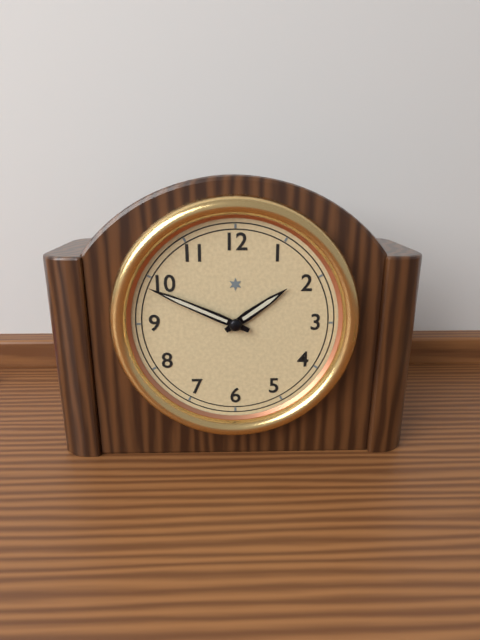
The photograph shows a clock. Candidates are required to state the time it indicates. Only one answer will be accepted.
1:49
